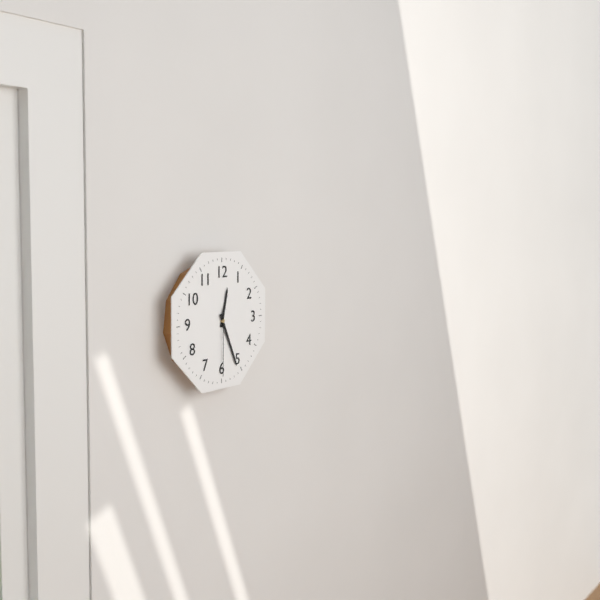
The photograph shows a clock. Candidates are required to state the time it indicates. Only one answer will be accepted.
12:26:30
